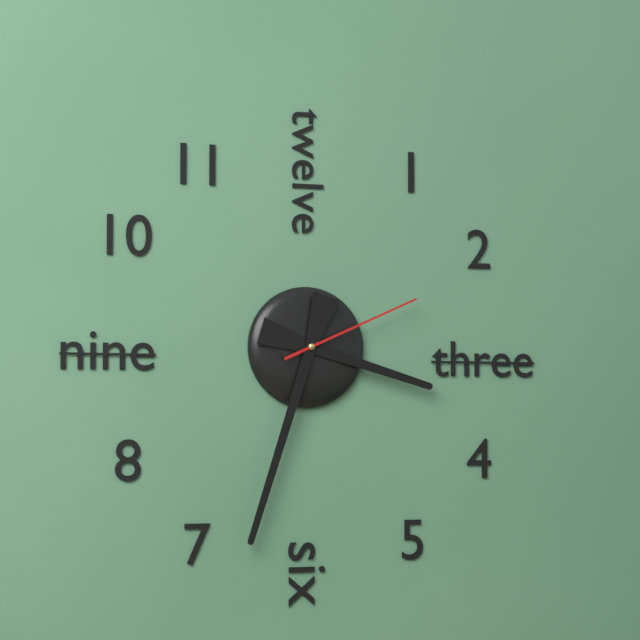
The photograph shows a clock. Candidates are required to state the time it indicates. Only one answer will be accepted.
3:33:11
